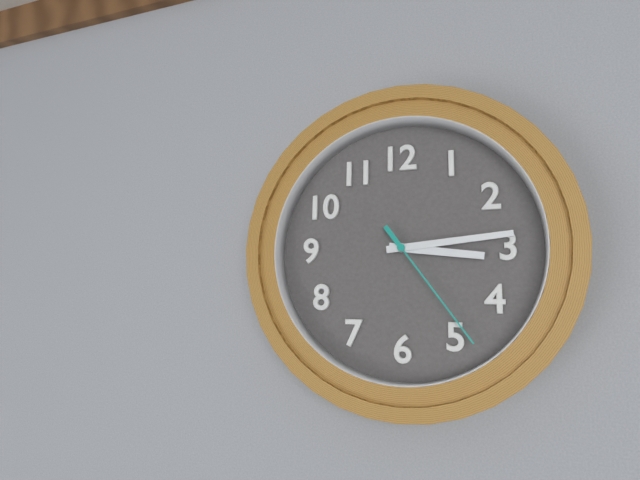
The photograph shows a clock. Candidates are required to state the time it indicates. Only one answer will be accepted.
3:14:24
